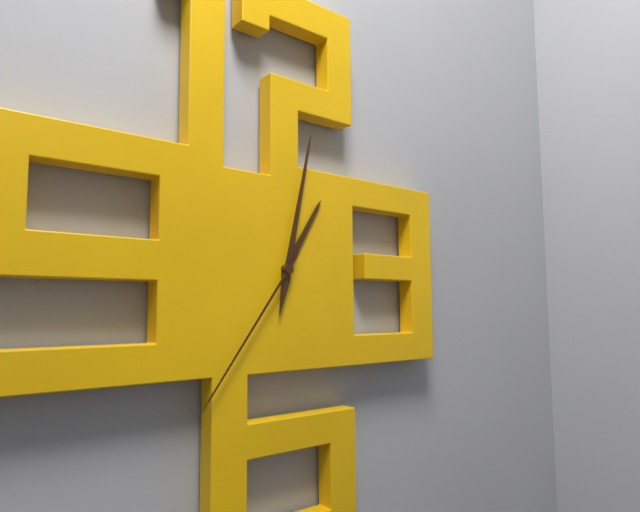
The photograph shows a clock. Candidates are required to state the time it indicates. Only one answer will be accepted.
1:02:36
